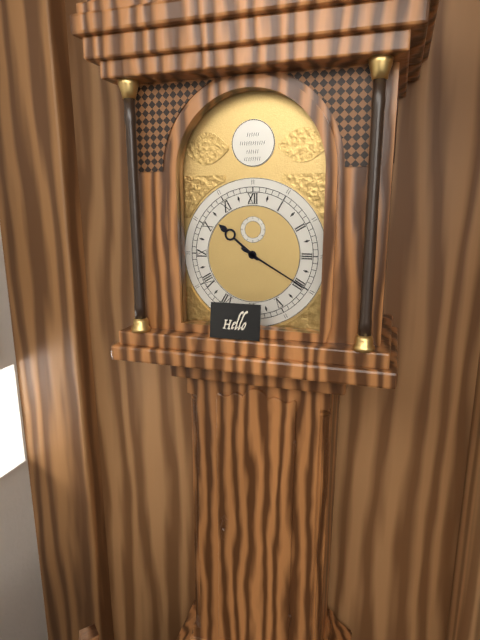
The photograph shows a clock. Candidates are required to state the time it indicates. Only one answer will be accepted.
10:20
